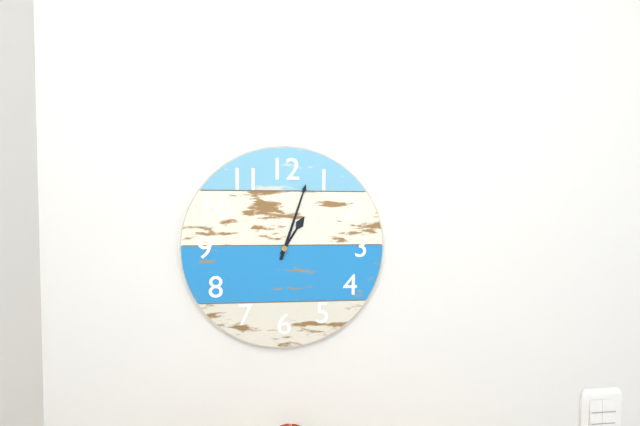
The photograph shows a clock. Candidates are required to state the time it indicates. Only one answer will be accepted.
1:03
